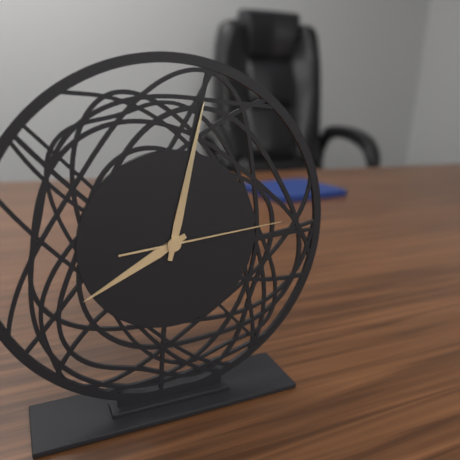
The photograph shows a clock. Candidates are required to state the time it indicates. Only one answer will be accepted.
8:02:14
